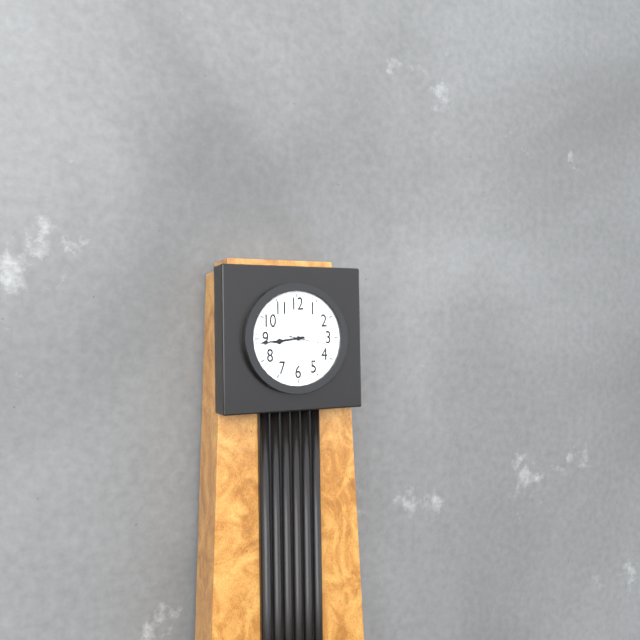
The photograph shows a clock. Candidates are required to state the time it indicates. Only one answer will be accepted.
8:44
